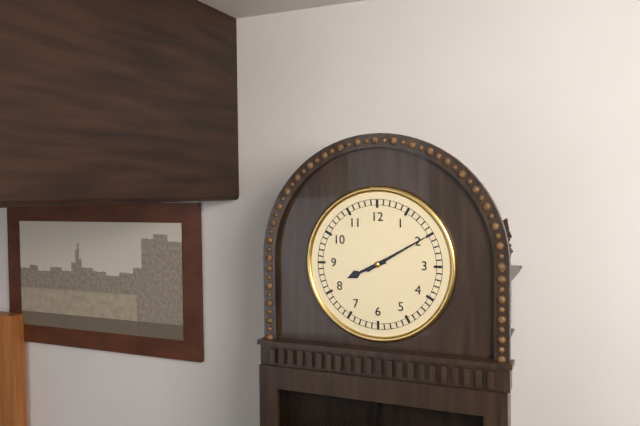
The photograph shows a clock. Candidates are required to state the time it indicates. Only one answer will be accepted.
8:10
